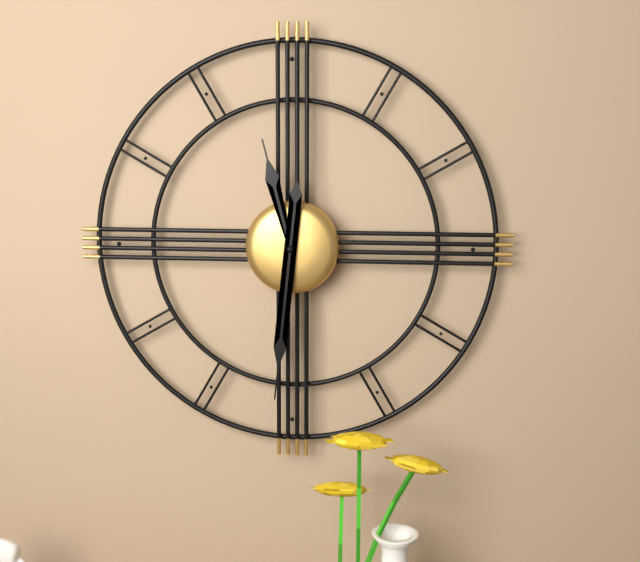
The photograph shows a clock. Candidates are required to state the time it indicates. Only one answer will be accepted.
11:31
